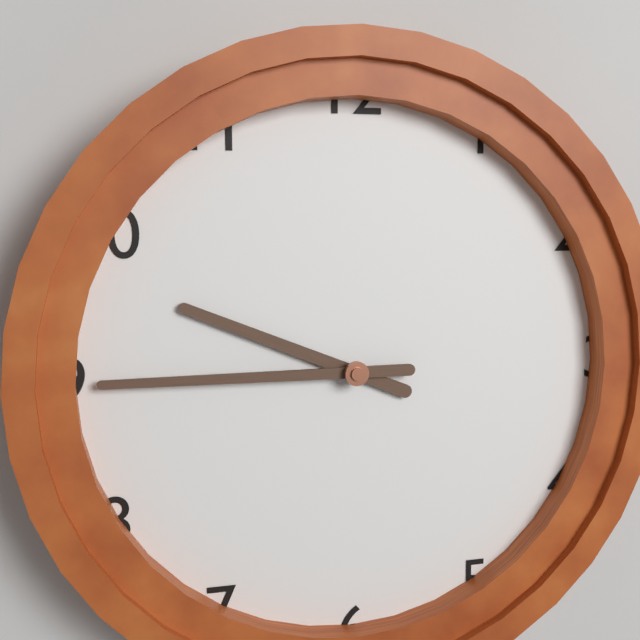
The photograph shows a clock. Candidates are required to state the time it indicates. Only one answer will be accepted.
9:45
